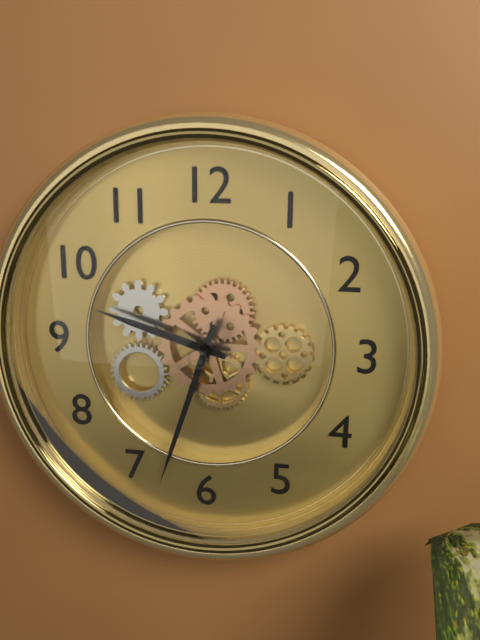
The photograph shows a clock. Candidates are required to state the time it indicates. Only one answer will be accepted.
9:33
